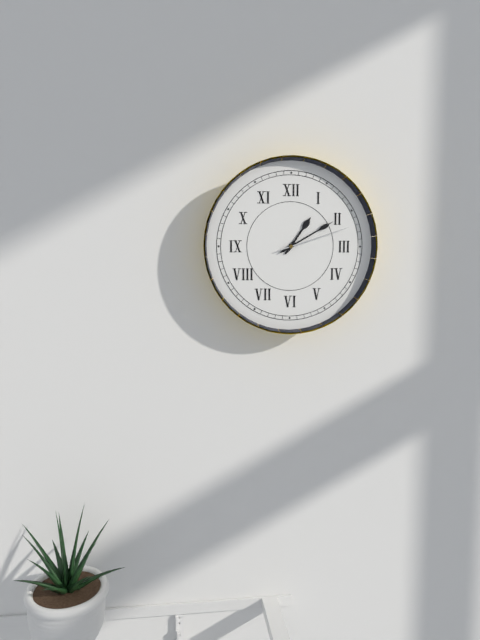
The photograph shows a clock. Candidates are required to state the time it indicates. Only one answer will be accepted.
1:10:12
